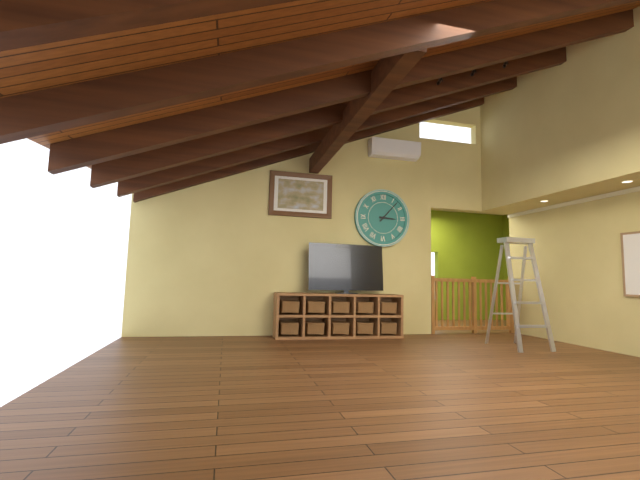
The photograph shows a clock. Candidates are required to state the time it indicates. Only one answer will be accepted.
3:07
